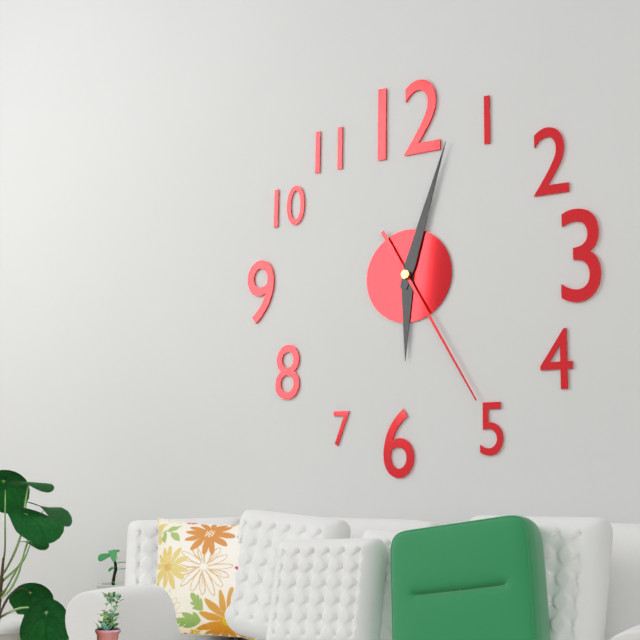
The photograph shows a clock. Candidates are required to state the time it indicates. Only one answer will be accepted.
6:03:25
